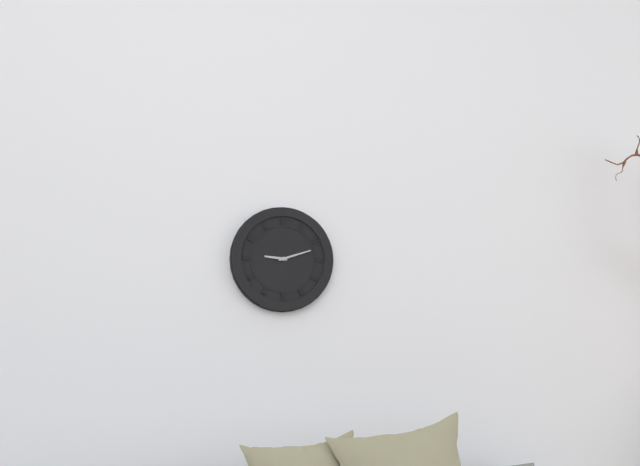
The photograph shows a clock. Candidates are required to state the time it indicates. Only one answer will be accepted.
9:12
